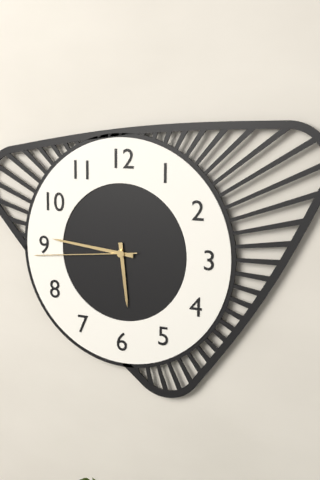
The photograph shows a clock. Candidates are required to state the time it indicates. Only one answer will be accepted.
5:46:44
